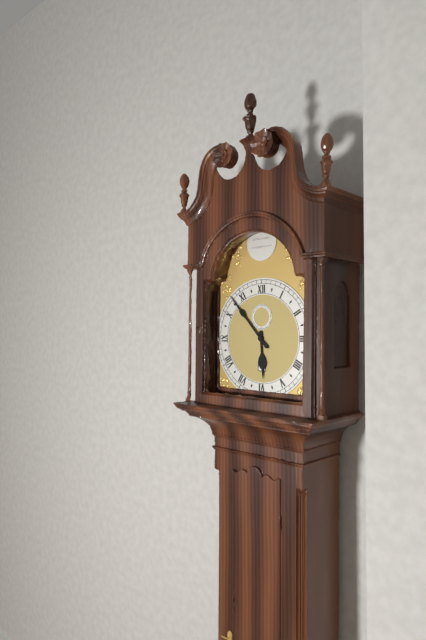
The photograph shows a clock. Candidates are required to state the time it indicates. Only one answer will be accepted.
5:53
